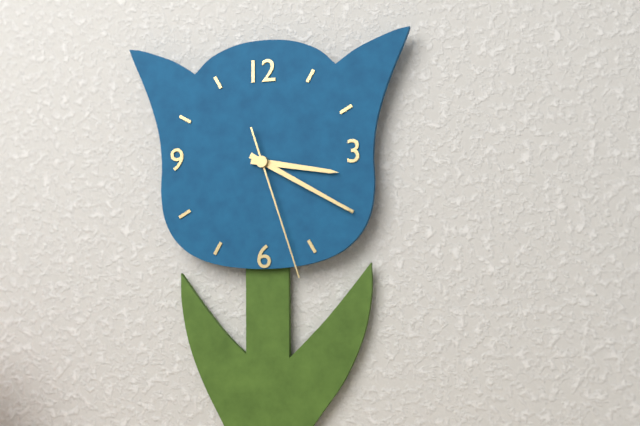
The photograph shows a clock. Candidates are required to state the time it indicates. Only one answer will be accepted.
3:20:27
